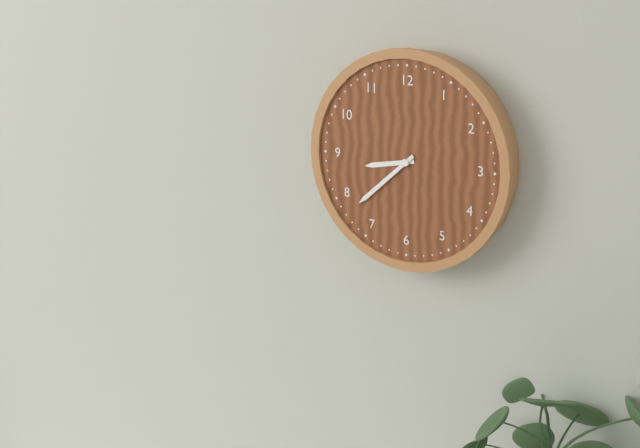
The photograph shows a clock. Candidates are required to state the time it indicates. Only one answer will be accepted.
8:38
